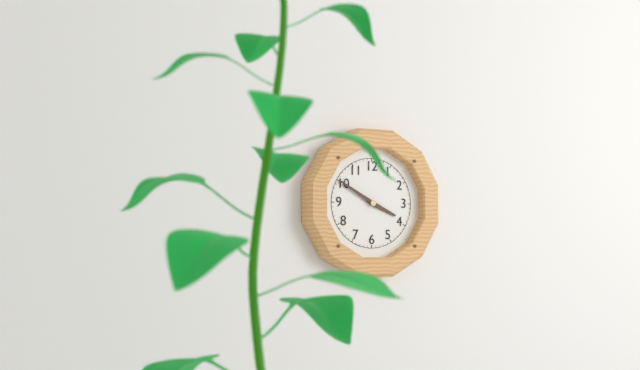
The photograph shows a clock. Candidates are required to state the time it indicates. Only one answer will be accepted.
3:50
